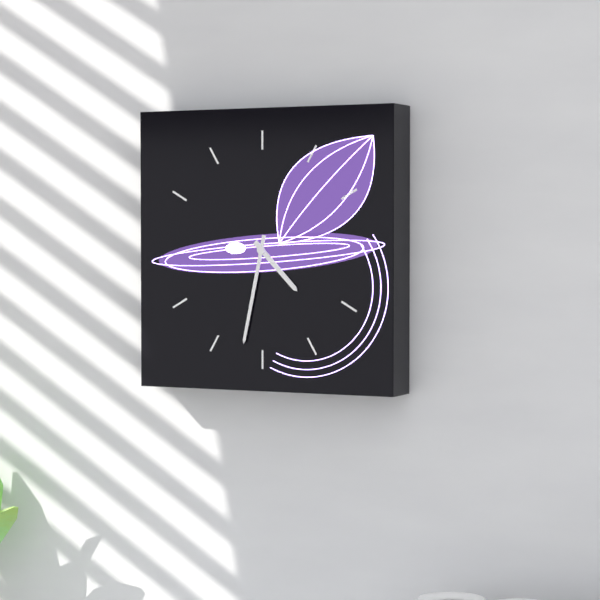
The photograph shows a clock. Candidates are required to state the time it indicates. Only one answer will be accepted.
4:32
